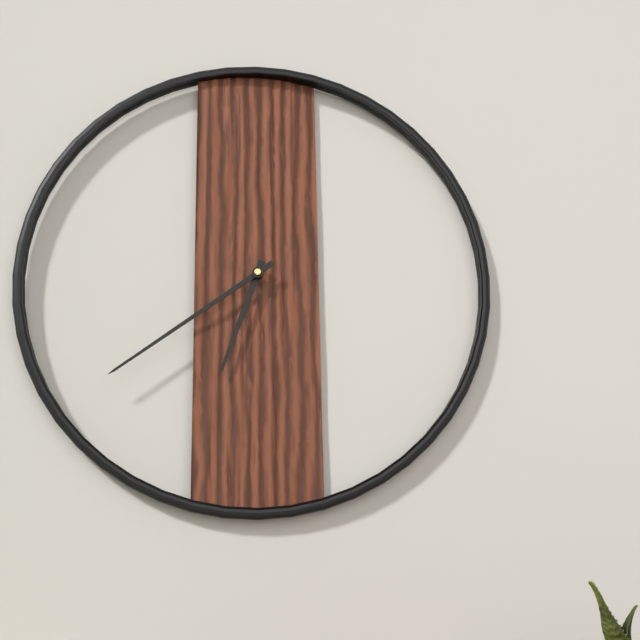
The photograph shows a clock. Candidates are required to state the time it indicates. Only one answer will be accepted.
6:39
